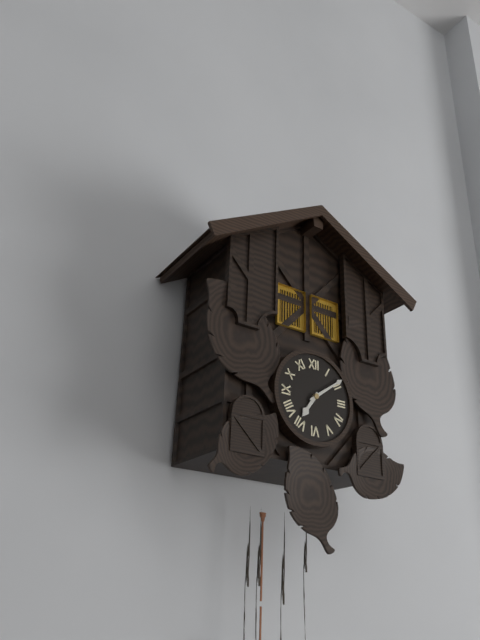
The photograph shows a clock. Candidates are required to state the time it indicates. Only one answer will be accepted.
7:09
